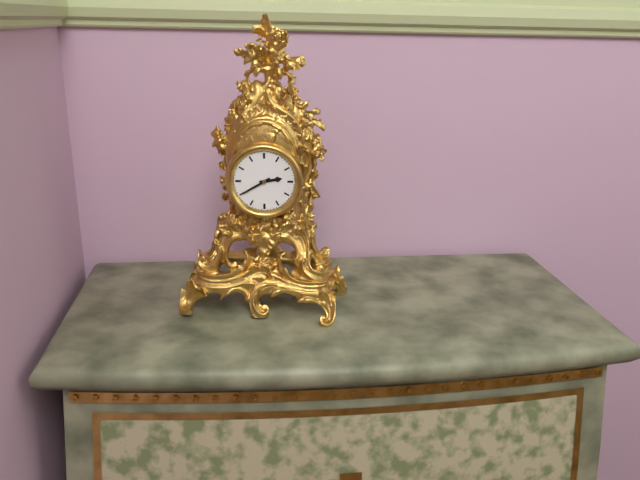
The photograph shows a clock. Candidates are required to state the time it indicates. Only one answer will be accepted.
2:40
